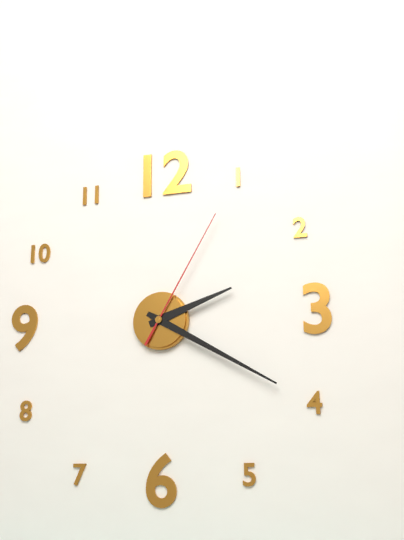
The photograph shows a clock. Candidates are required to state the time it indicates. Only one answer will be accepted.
2:20:05
